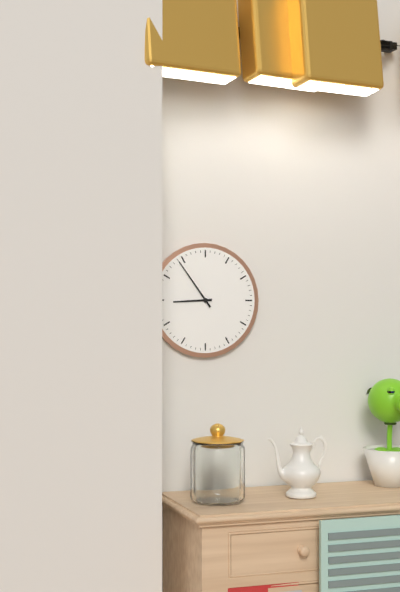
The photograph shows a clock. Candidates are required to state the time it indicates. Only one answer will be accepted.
8:54
